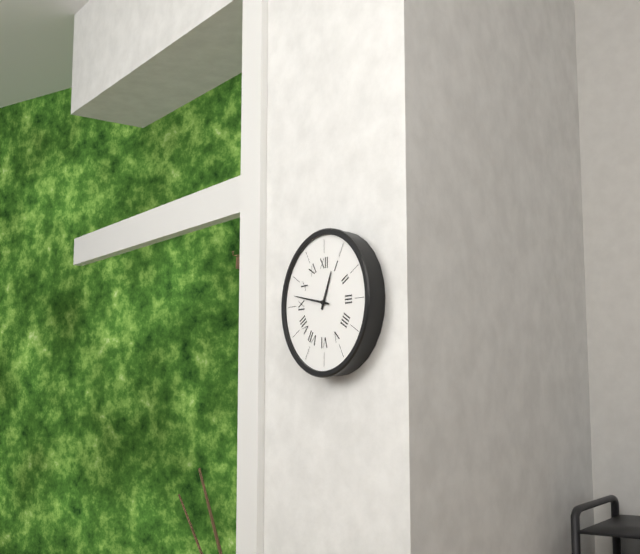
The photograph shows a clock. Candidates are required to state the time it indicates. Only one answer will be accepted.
12:47
